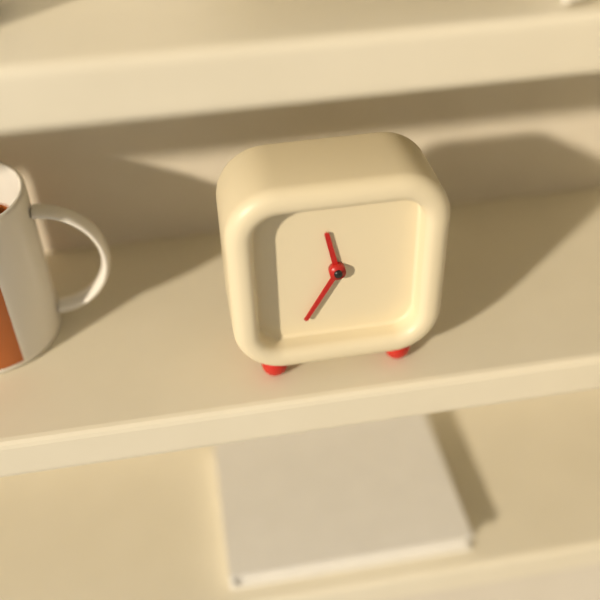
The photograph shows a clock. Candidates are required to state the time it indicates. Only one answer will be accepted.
11:35
